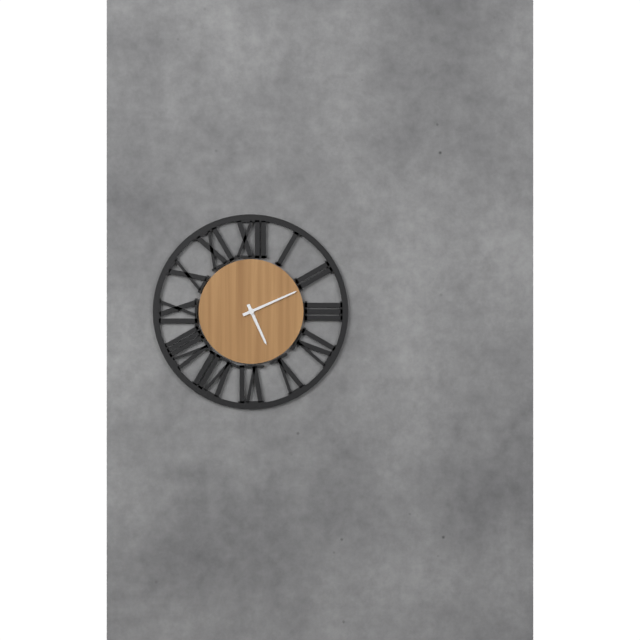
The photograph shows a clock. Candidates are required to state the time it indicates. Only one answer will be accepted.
5:11
